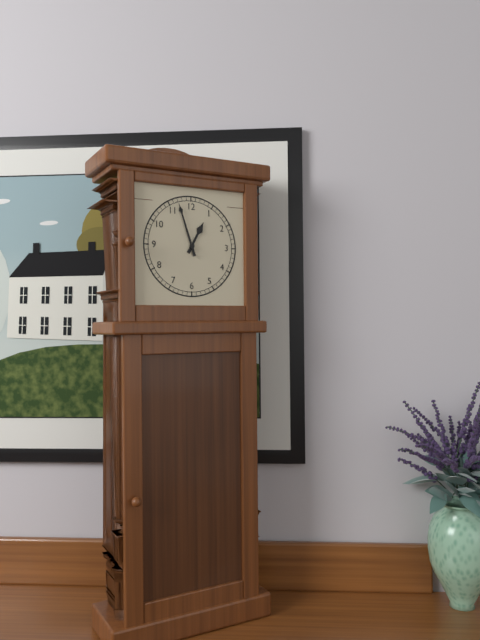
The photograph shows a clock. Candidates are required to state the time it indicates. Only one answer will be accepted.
12:57
